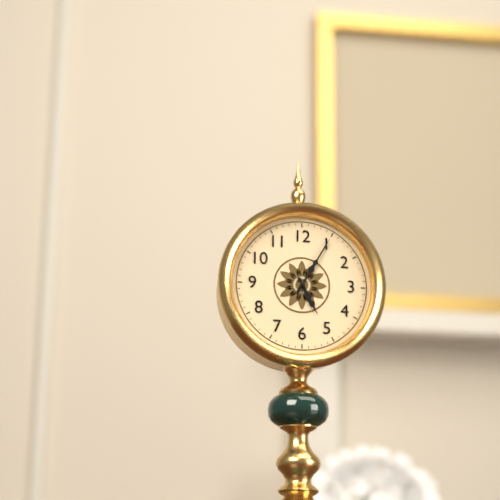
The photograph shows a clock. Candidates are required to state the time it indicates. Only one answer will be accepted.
5:05
